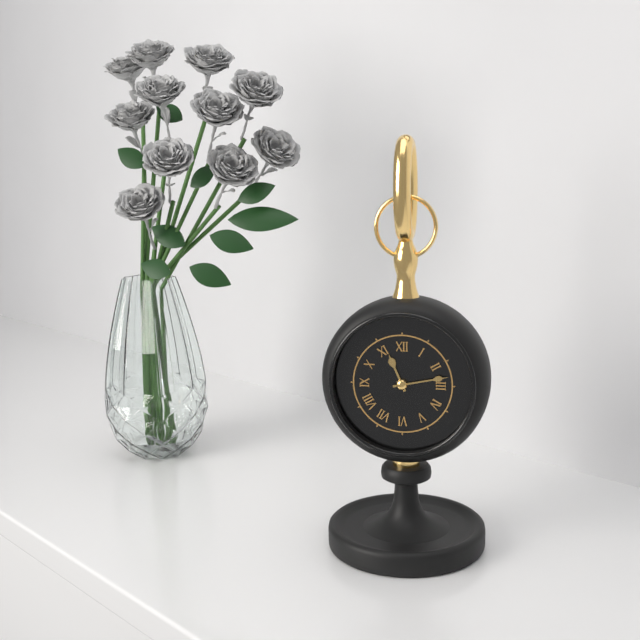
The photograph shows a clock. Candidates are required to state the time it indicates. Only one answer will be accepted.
11:13
